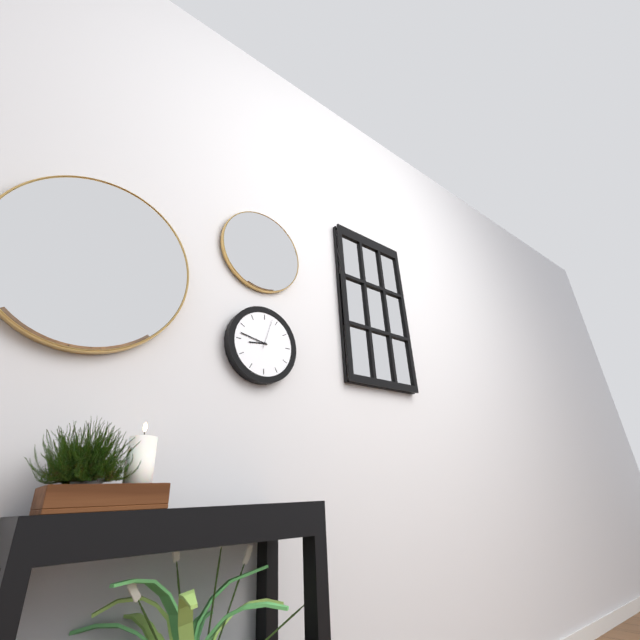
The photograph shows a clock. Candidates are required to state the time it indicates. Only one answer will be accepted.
8:47
